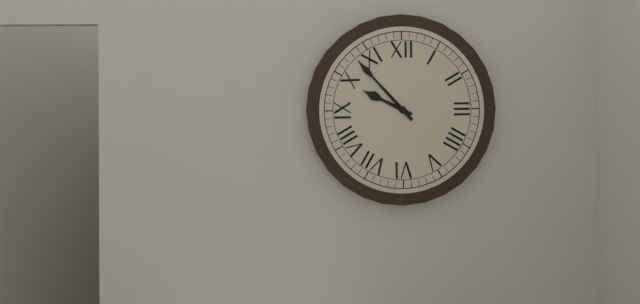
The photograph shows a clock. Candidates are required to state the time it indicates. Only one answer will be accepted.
9:53
